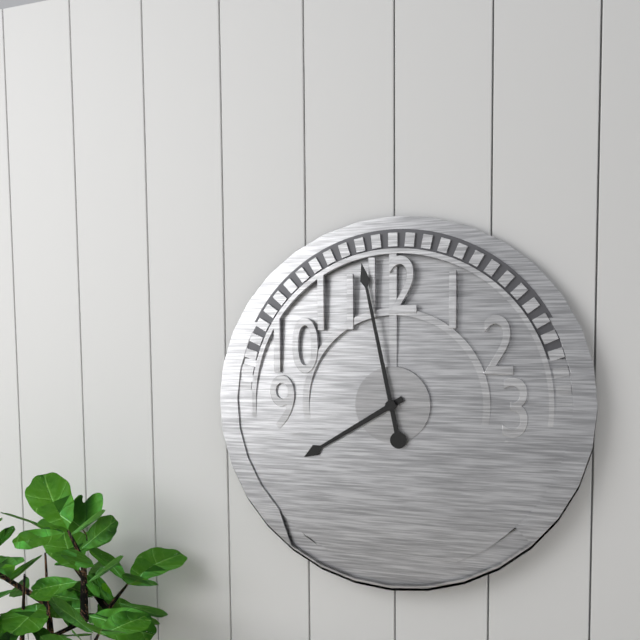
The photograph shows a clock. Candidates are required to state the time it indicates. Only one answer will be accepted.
7:58
